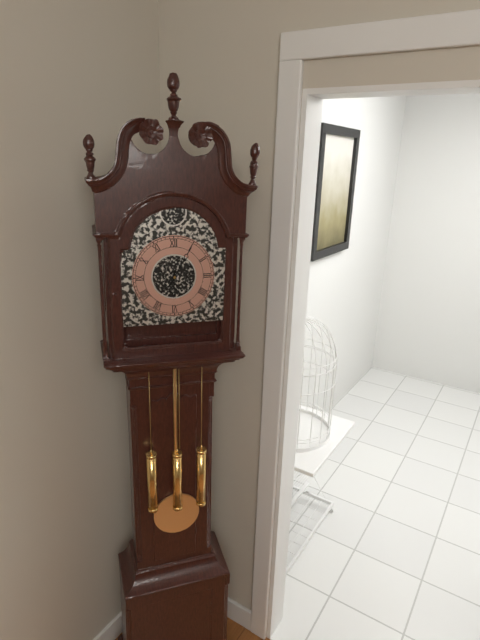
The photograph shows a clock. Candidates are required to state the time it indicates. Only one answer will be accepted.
6:05
